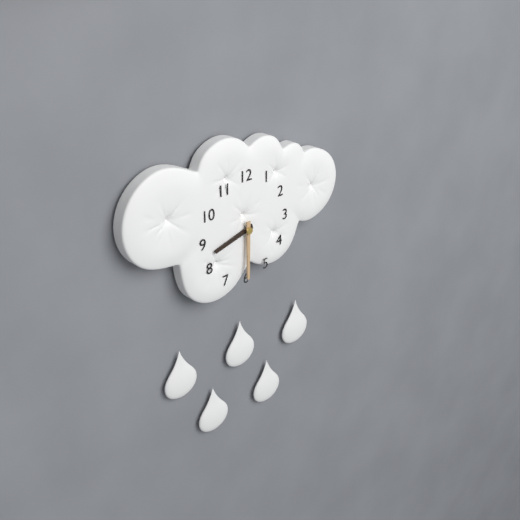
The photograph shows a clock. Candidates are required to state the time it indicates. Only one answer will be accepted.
8:30
